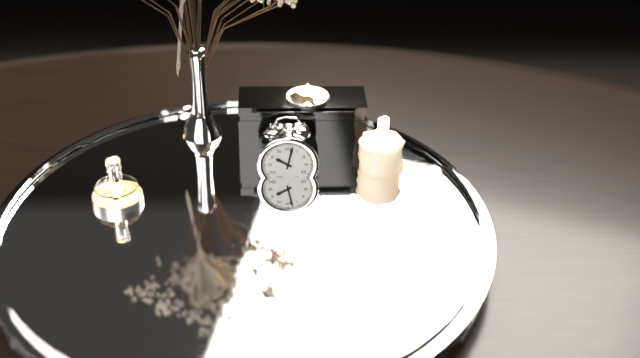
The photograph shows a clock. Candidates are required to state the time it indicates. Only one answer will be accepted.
10:02
